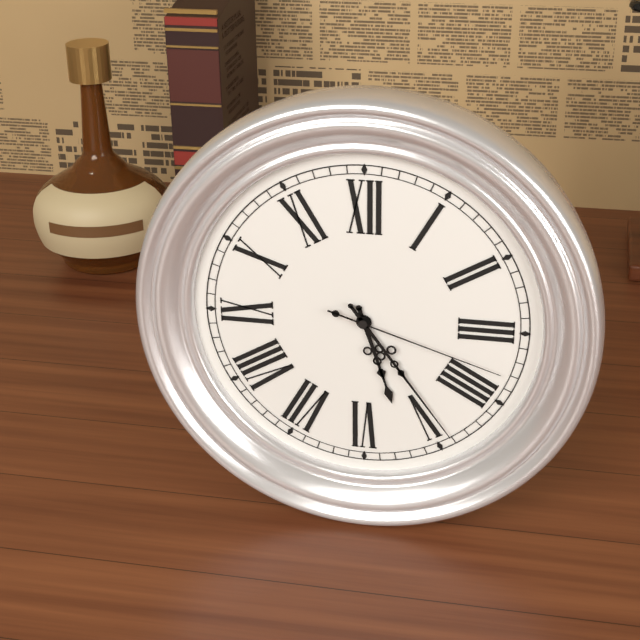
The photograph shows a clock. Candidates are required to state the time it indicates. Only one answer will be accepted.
5:24:18
